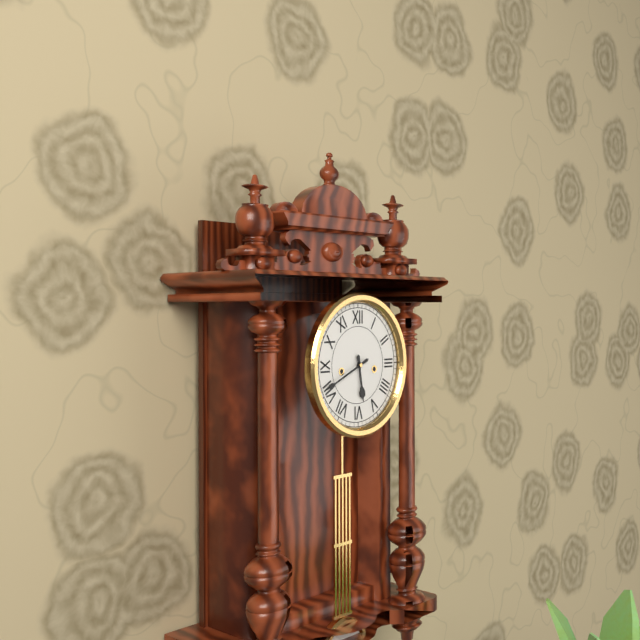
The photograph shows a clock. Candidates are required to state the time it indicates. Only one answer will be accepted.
5:41
